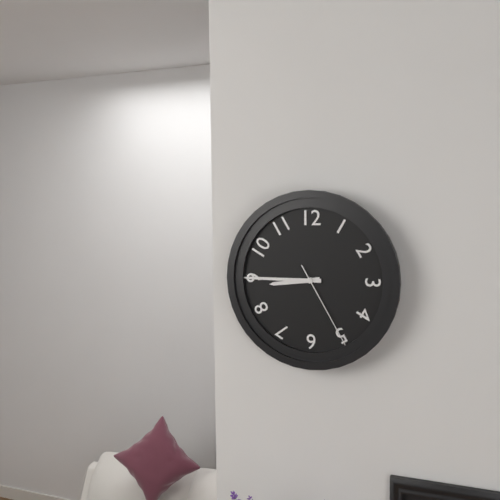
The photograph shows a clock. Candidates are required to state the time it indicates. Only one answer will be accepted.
8:45:25
